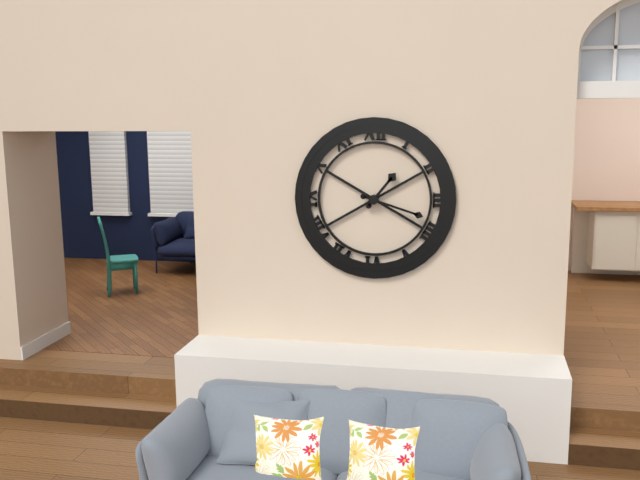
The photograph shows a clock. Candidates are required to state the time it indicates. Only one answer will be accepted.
1:18
